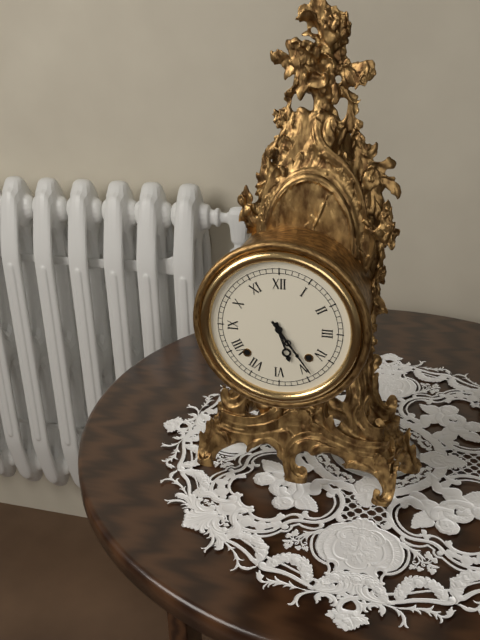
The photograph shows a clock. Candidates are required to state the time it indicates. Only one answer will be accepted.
5:24
